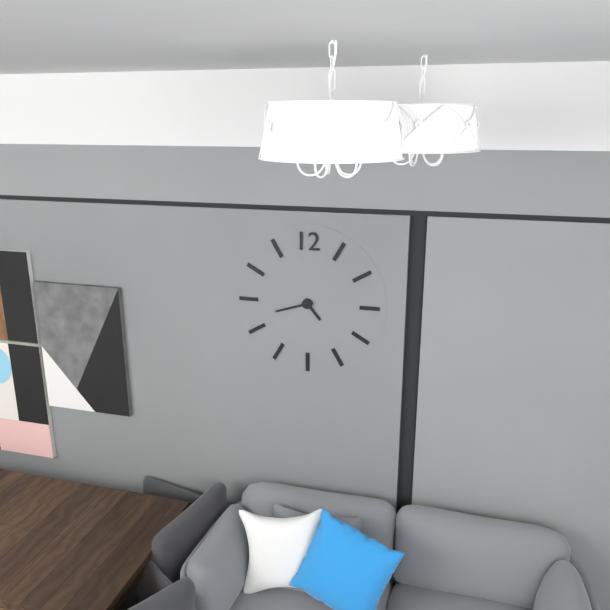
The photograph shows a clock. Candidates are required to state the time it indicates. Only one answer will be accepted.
4:42
